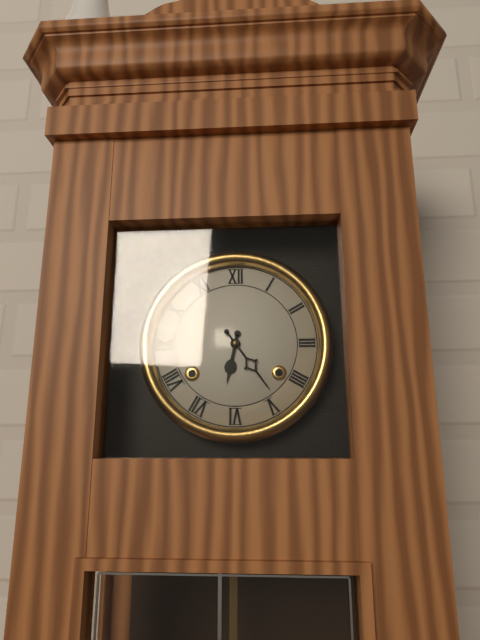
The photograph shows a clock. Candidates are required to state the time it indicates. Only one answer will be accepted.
6:24
